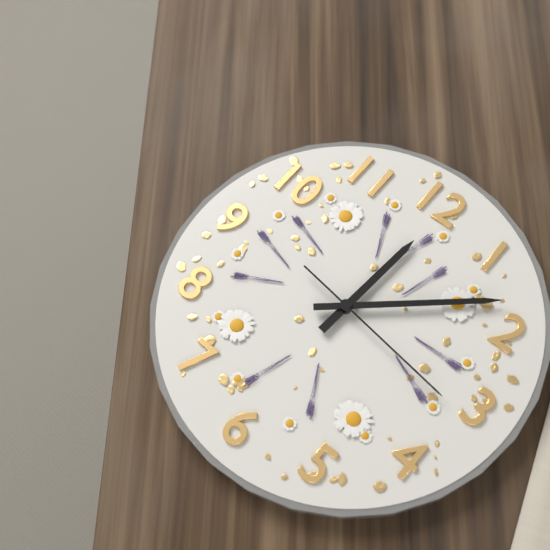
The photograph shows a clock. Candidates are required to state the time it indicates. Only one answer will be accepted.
12:08:16
